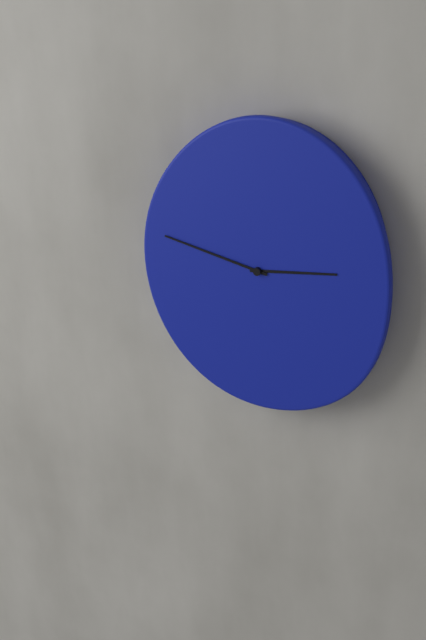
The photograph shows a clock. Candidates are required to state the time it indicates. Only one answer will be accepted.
2:47
